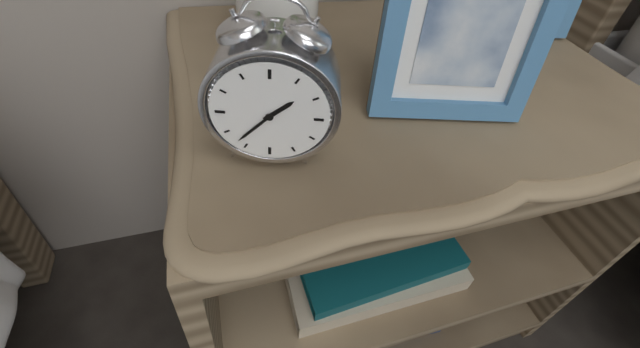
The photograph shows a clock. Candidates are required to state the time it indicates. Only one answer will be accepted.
1:37
